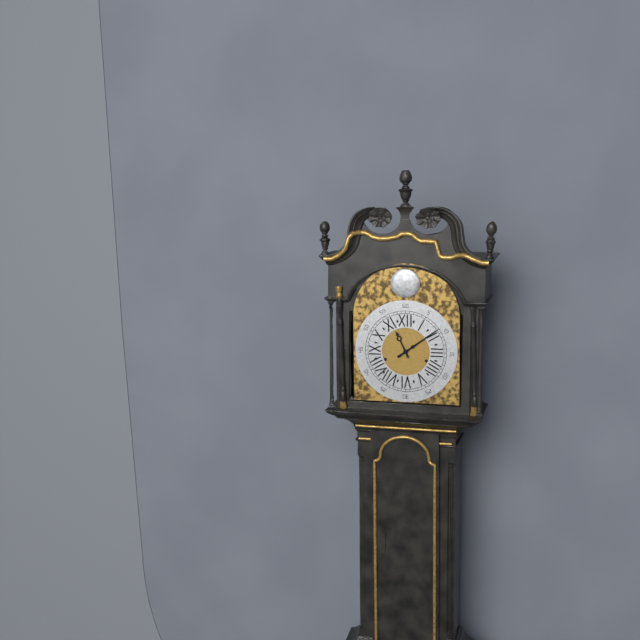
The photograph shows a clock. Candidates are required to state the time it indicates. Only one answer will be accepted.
11:09
